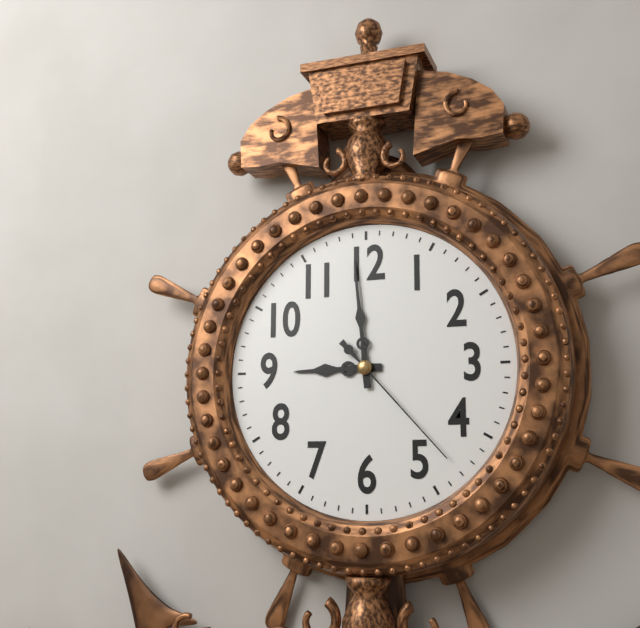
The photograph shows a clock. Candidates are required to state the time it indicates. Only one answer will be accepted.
8:59:23
